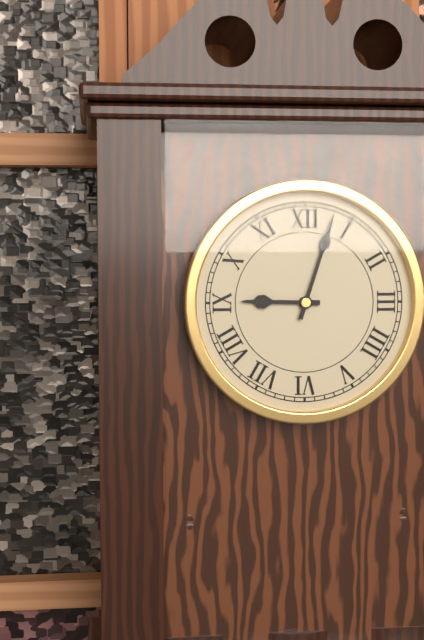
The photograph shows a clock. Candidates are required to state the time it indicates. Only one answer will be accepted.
9:03
